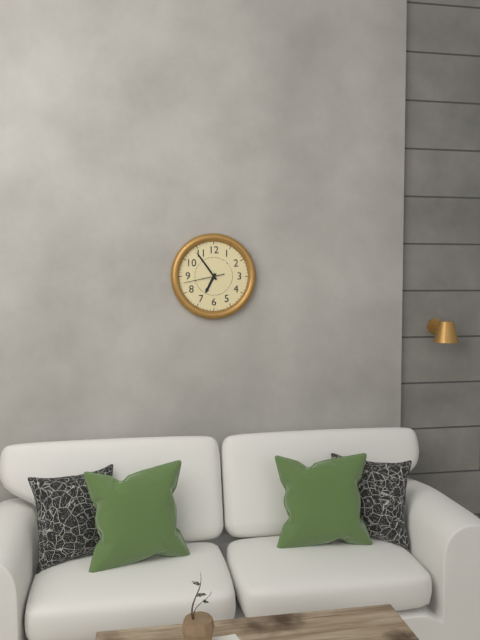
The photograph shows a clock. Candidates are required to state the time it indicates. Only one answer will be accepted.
6:54
